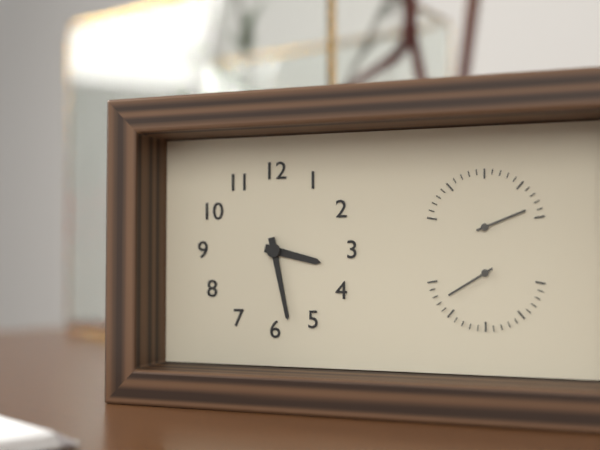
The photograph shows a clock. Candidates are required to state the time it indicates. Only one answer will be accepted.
3:28
